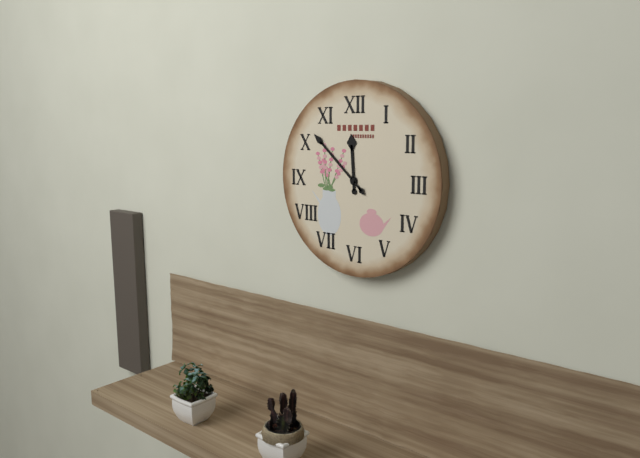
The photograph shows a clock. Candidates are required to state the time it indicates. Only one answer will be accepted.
11:52
